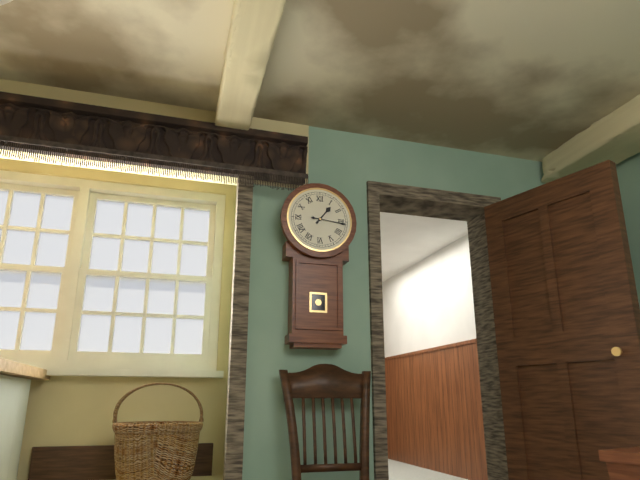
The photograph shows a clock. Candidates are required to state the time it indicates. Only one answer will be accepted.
1:16
